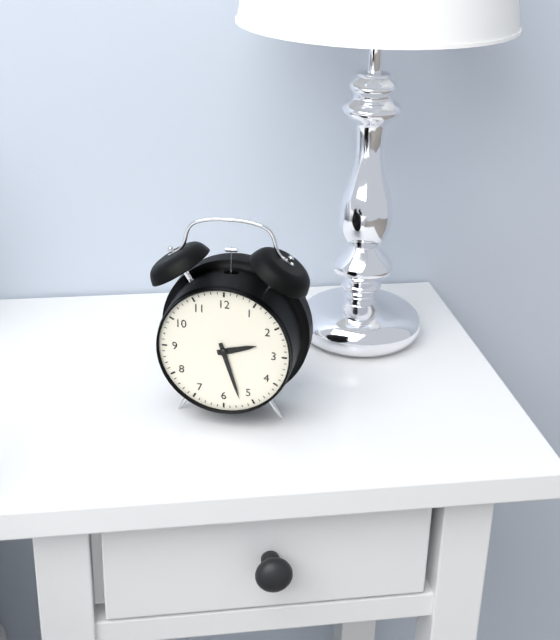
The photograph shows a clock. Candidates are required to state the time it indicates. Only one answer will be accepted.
2:27
